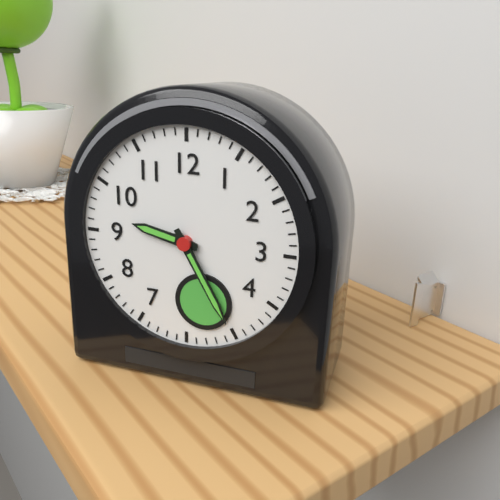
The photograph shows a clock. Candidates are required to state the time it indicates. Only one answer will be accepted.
9:25
